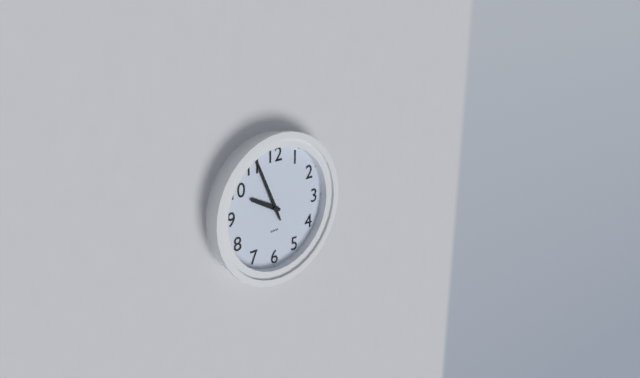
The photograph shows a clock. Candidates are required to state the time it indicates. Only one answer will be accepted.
9:56
